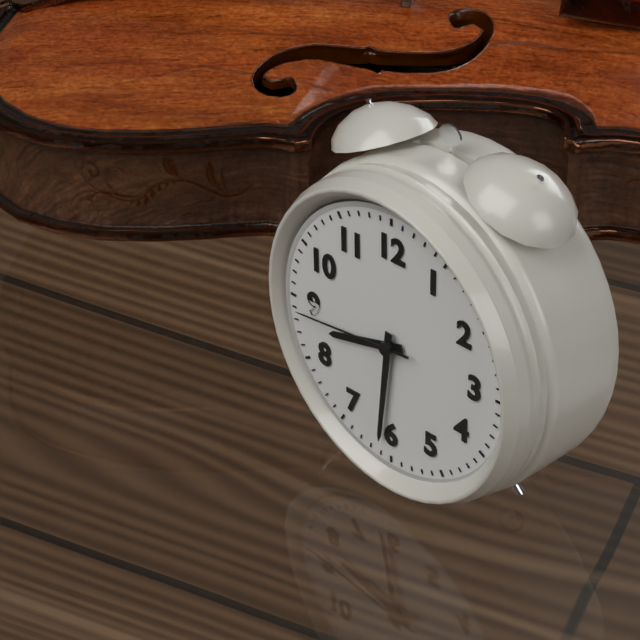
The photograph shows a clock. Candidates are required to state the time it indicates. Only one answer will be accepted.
8:31:44
